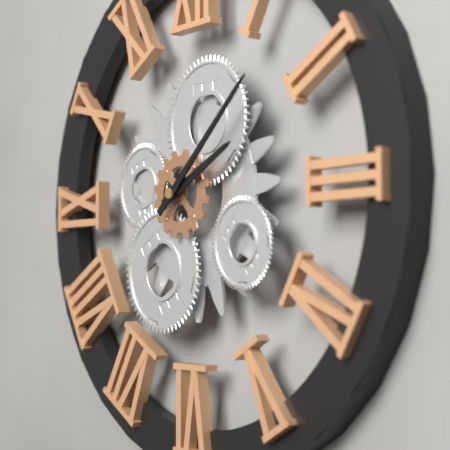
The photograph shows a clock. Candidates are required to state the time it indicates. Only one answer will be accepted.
2:08
